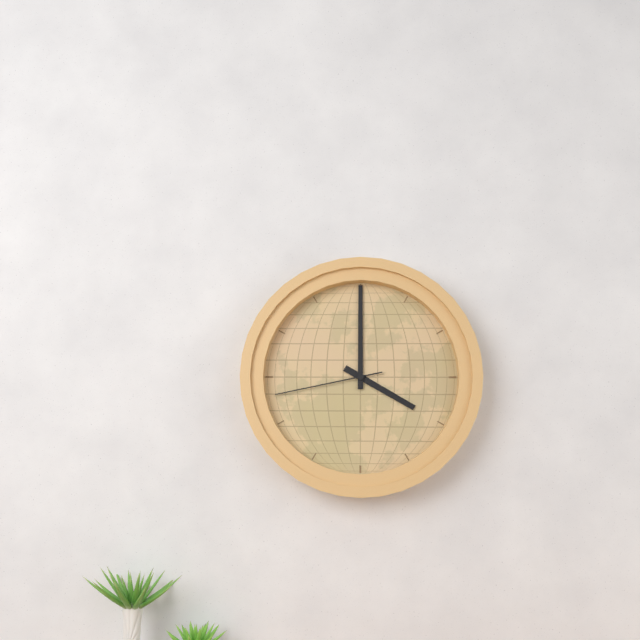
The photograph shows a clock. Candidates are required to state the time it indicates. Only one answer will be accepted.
4:00:43
